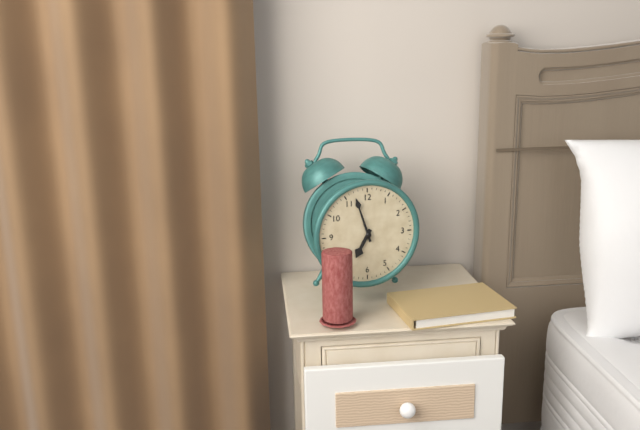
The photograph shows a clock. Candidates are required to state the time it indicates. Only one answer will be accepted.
6:57
